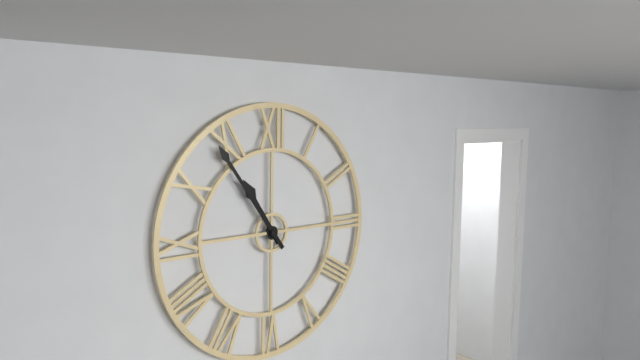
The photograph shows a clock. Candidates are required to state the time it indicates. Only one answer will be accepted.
10:54
